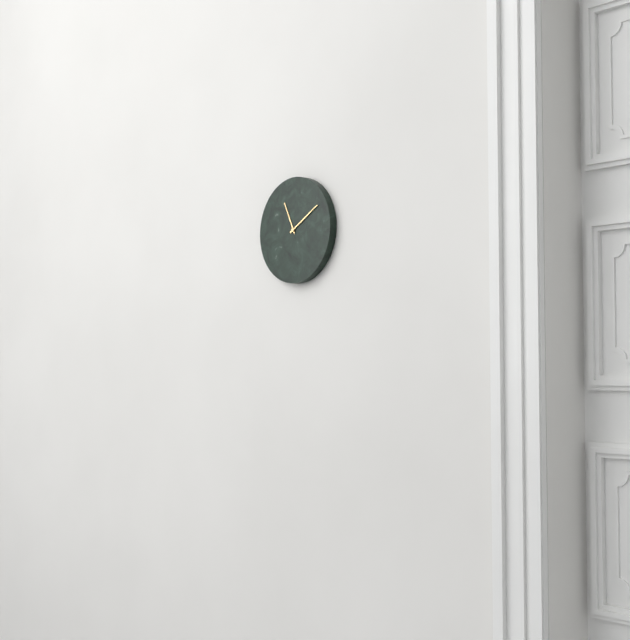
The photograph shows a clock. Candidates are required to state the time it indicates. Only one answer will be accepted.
11:10
